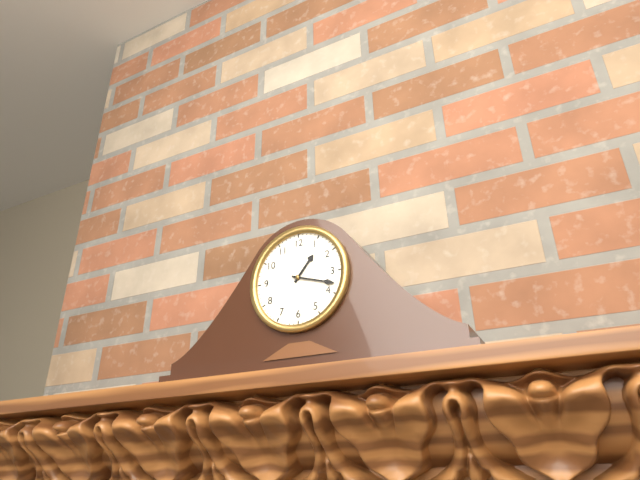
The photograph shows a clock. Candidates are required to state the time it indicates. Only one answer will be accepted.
1:18
